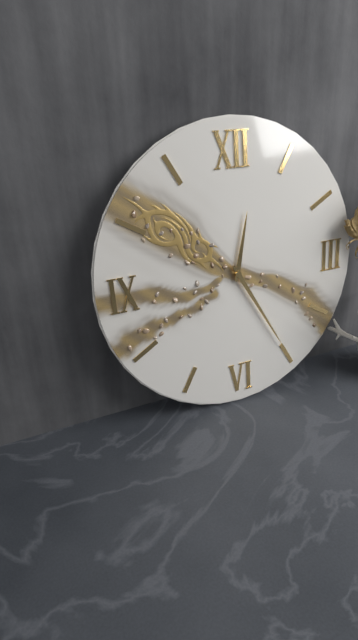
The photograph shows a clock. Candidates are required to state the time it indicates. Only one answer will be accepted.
12:25
